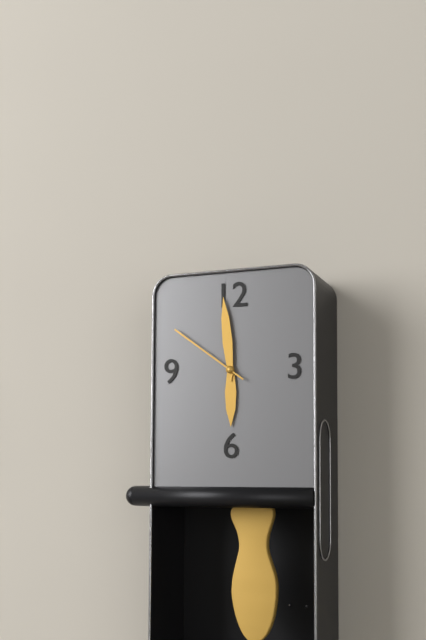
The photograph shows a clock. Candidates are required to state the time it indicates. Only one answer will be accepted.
5:59:51
